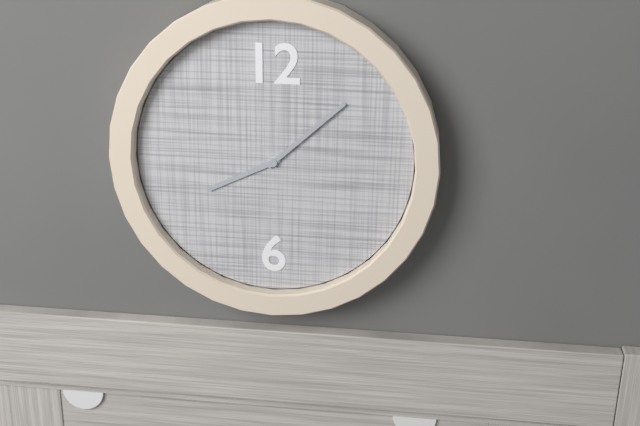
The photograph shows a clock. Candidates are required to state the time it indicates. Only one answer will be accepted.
8:08
